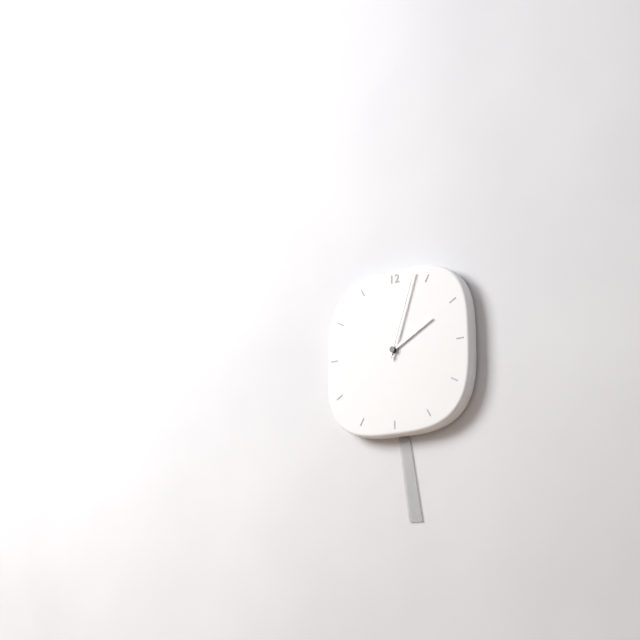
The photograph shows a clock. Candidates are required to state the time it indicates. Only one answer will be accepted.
2:03
